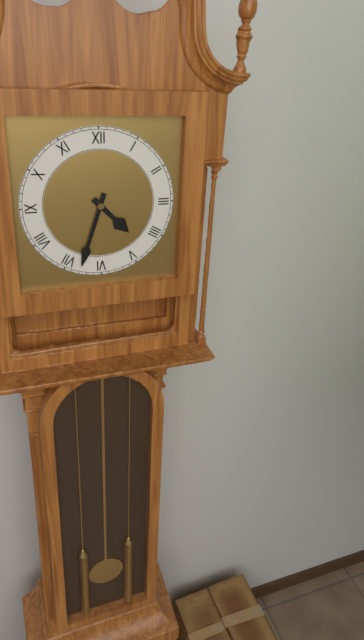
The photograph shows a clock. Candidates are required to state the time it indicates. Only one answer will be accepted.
4:33
